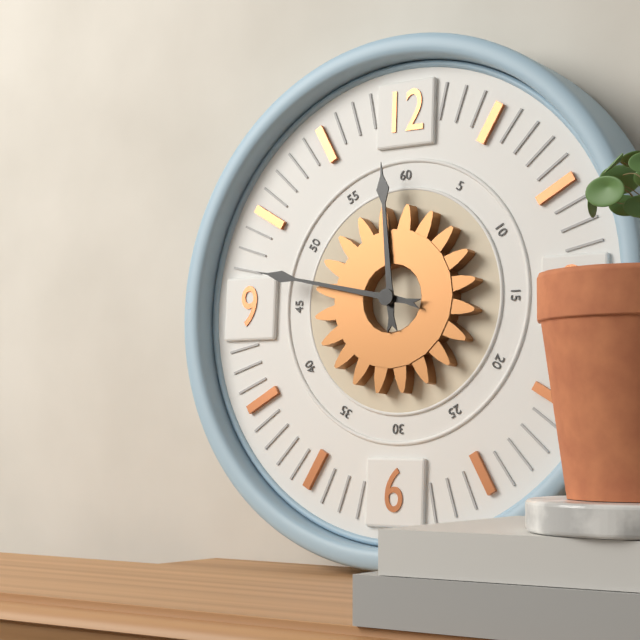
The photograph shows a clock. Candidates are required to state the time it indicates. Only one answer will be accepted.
11:47
